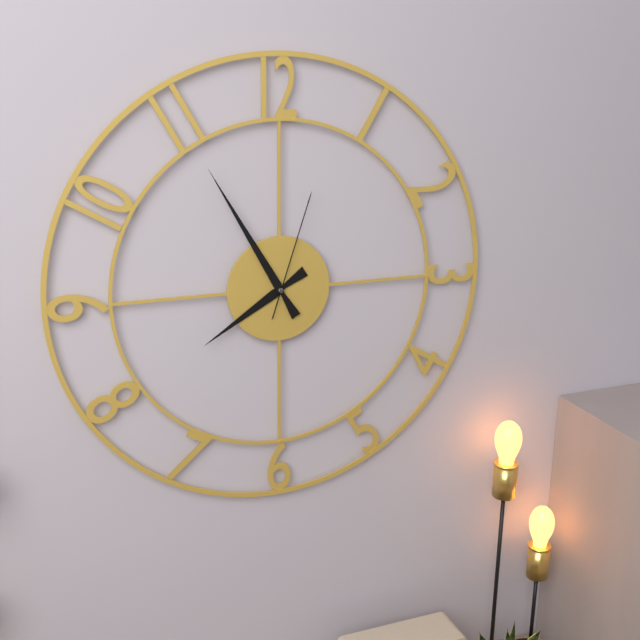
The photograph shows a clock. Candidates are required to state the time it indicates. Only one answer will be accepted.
7:55:03
